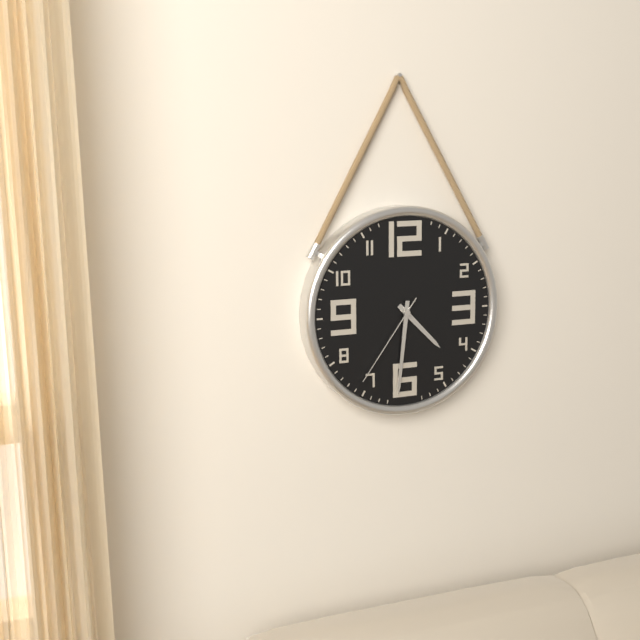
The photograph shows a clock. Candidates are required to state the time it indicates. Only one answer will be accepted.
4:31:36
